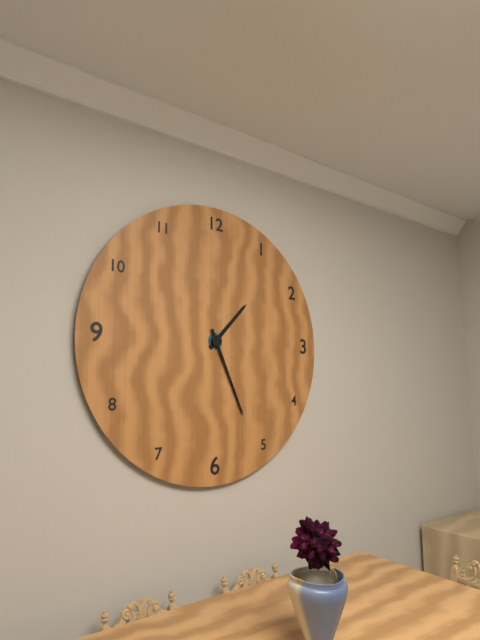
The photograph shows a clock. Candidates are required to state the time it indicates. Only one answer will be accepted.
1:26
